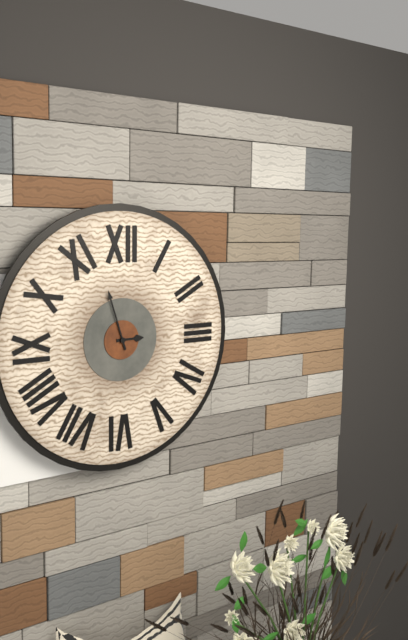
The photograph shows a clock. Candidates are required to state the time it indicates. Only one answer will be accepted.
2:57
